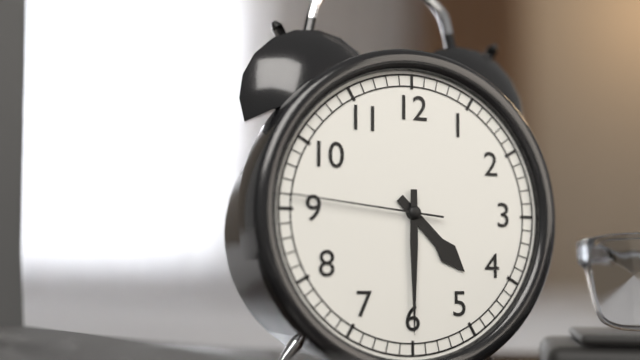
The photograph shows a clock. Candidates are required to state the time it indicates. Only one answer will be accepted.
4:30:46
